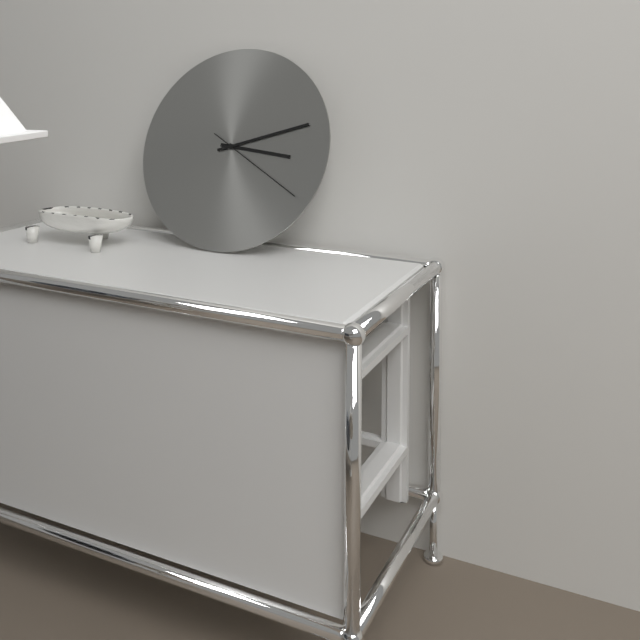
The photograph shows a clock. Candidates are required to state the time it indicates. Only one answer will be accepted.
3:12:20
